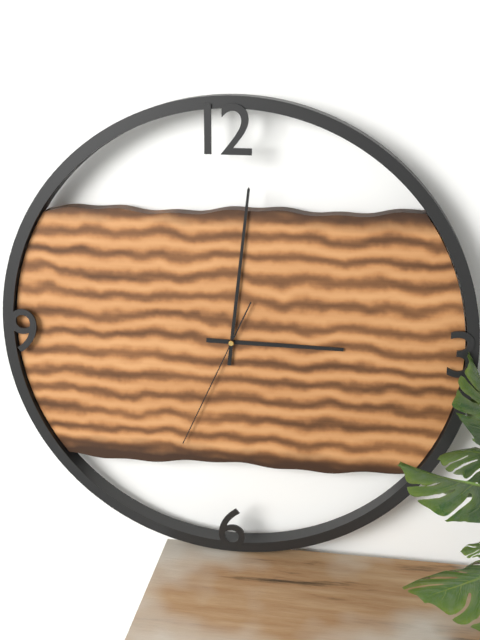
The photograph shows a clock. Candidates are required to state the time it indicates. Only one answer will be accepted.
3:01:34
